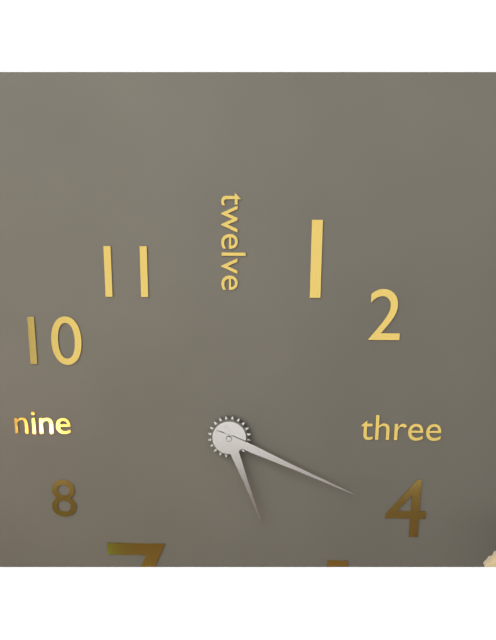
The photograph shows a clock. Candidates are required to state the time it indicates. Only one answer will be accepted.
5:19
